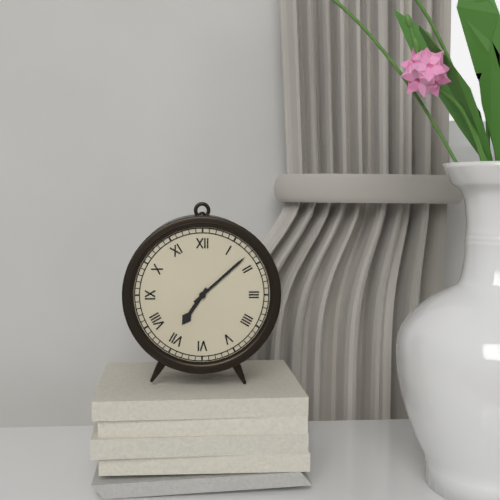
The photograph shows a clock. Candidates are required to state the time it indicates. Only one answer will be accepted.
7:08
